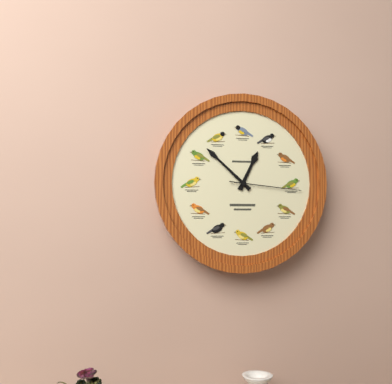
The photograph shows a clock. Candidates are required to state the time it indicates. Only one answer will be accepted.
12:52:16
